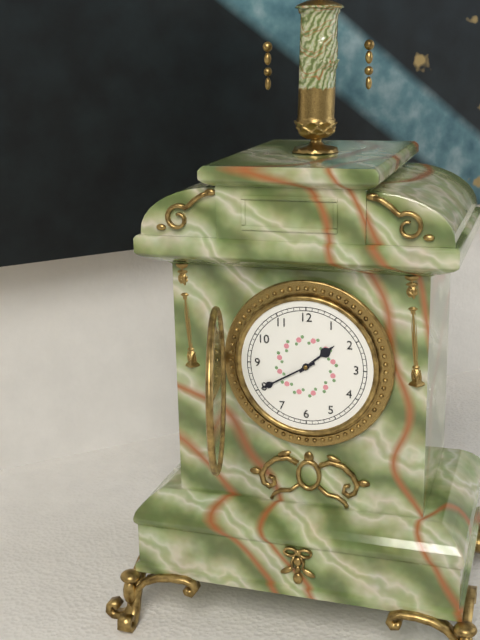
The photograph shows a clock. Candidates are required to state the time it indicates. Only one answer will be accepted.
1:40
